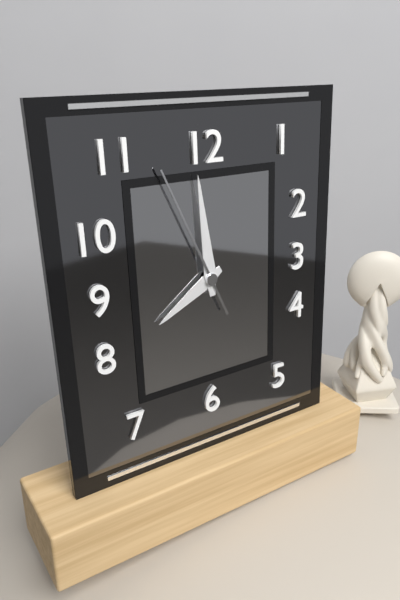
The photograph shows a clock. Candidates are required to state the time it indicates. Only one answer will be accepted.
7:59:56
